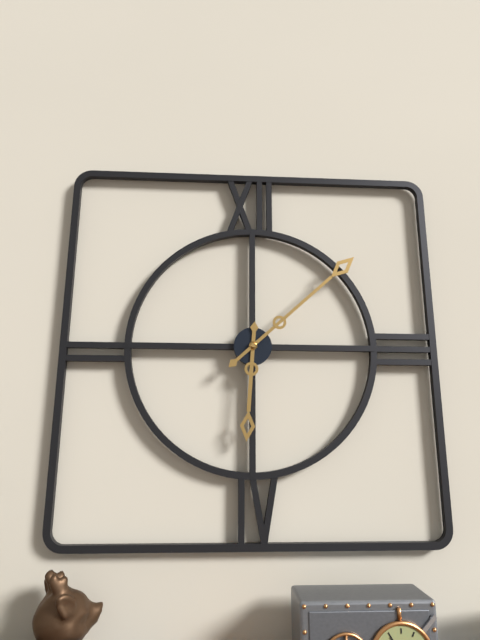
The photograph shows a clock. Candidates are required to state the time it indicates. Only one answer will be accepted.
6:08
